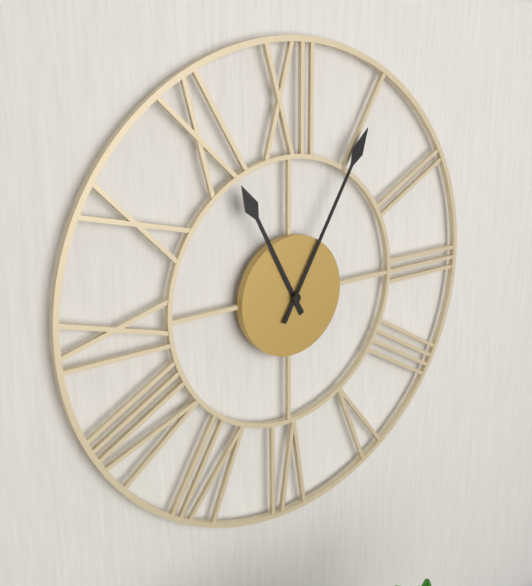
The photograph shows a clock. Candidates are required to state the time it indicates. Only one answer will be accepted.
11:05
